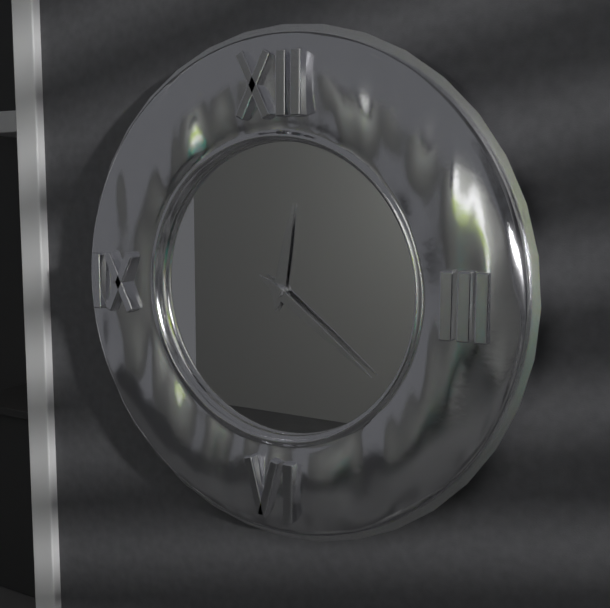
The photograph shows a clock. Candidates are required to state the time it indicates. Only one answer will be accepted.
12:21
